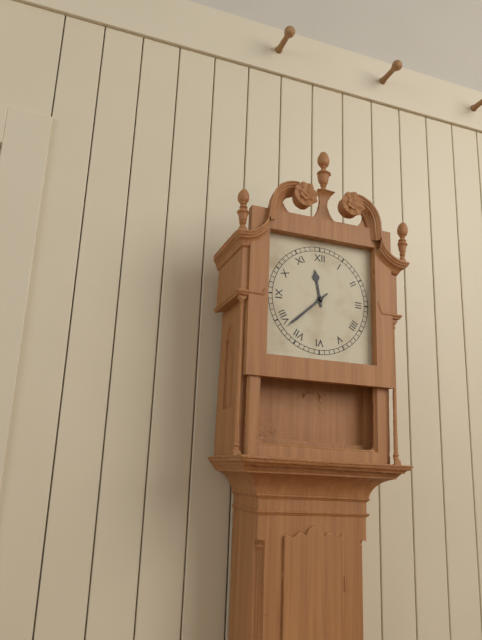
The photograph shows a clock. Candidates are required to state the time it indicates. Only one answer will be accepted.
11:38
